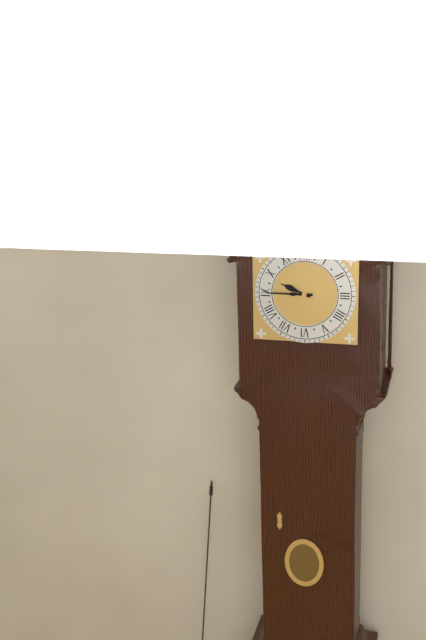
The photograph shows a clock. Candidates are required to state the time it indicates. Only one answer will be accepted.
9:45
